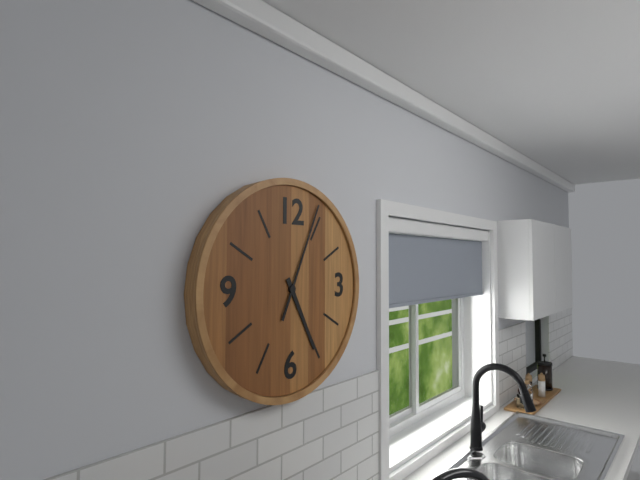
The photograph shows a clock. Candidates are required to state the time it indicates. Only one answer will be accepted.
5:04
